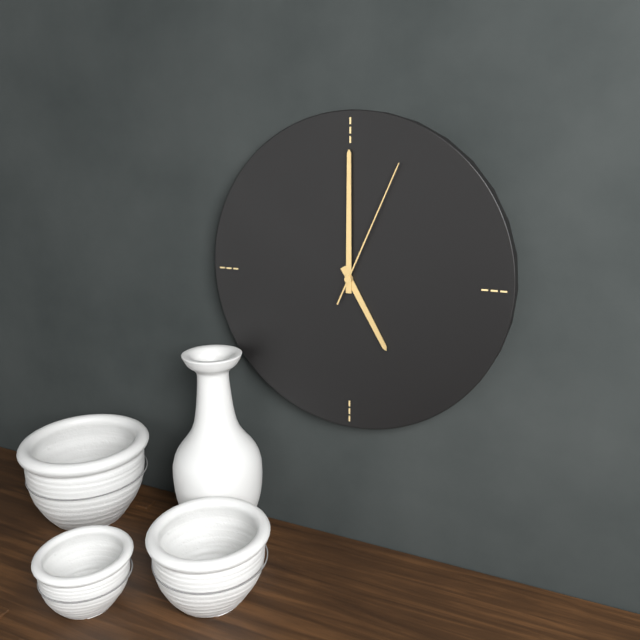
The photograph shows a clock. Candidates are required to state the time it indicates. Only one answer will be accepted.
5:00:04
